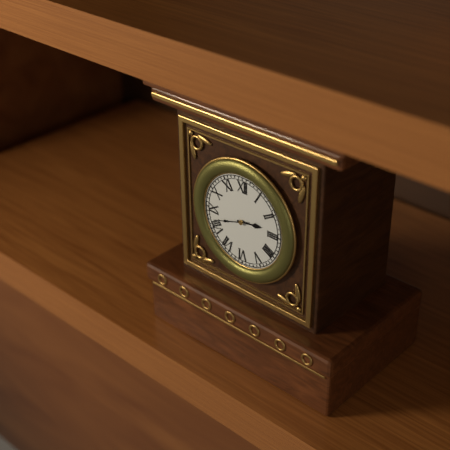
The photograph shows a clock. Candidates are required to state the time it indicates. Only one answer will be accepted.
2:42
